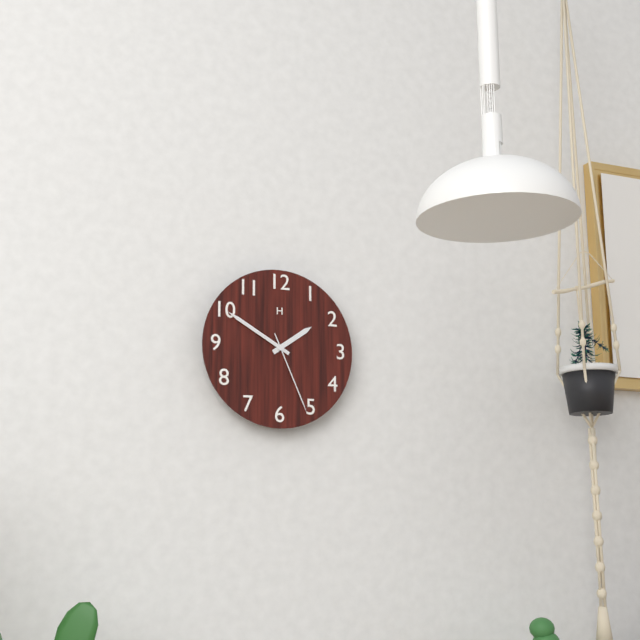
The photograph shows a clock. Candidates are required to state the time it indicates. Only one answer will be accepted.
1:50:26
